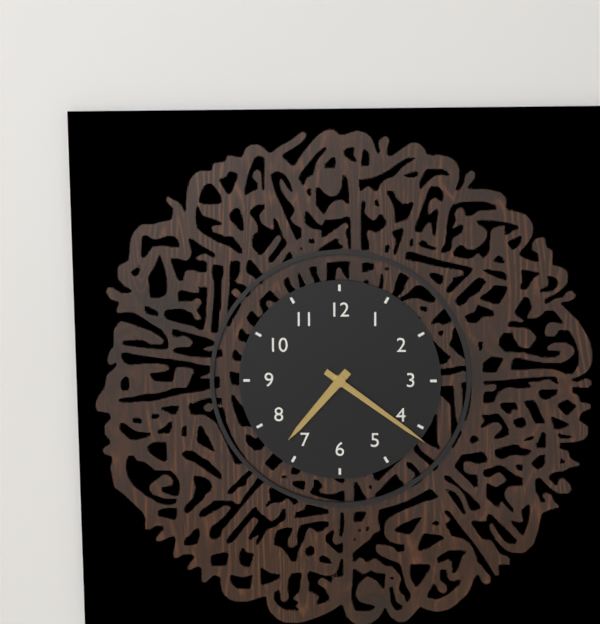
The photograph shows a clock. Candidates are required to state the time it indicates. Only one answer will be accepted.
7:21
